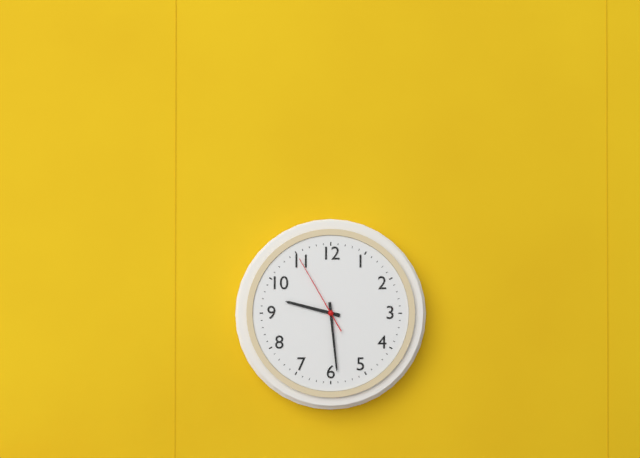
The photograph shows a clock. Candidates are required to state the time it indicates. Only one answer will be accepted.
9:29:55
